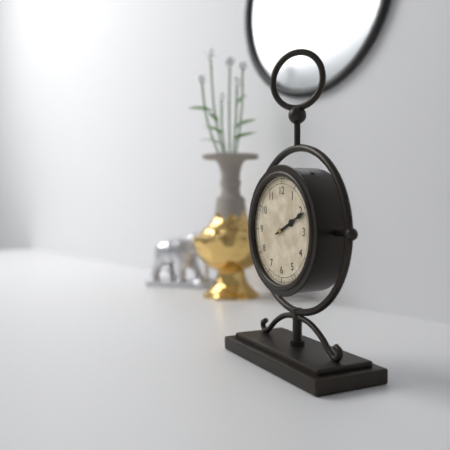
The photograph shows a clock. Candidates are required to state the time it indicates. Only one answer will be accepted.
2:11
